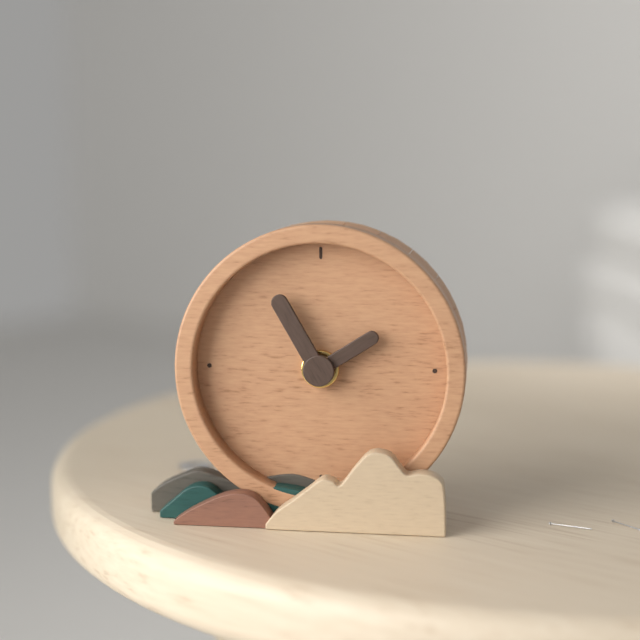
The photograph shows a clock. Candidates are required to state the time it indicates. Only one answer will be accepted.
1:55
